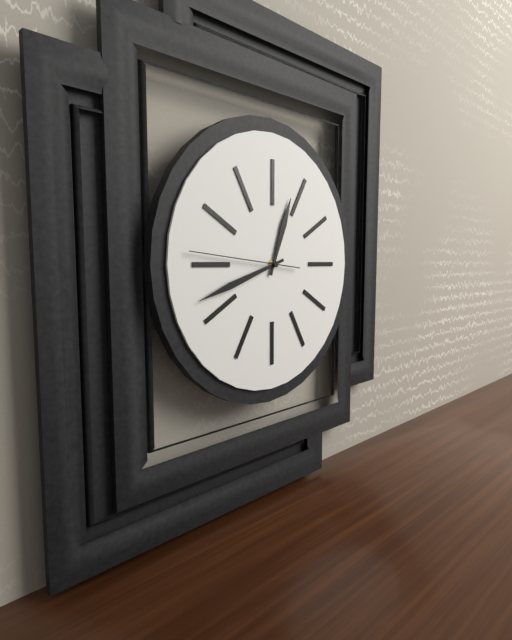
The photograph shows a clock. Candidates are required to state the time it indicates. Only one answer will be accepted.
12:42:46
